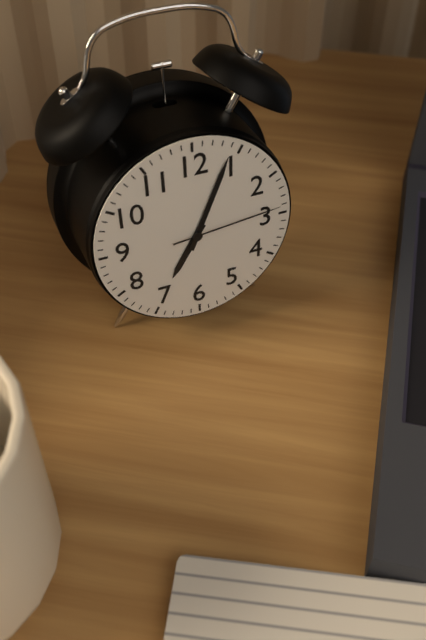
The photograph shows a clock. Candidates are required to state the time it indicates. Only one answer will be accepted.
7:04:14
